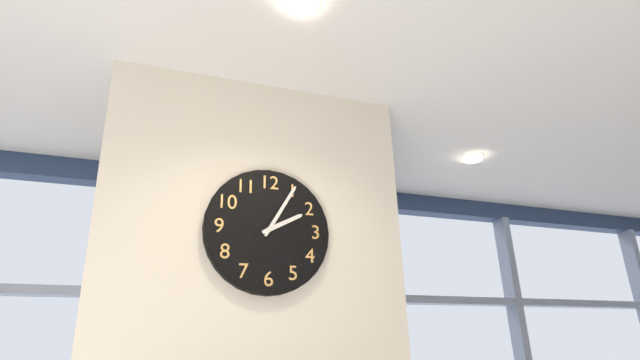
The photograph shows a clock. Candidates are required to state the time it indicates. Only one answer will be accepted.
2:05
